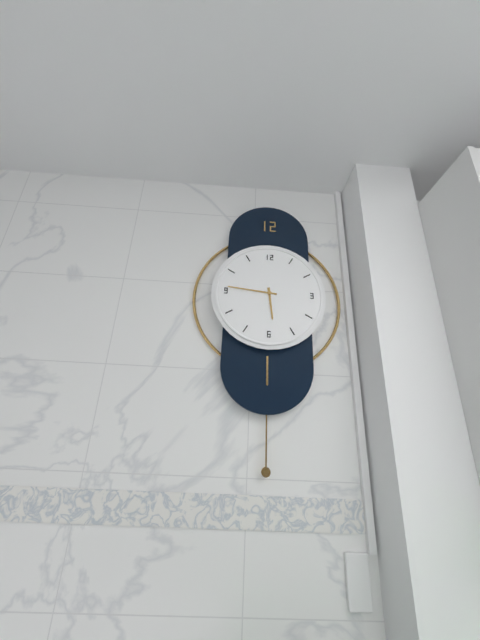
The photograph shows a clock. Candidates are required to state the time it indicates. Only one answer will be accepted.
5:46
